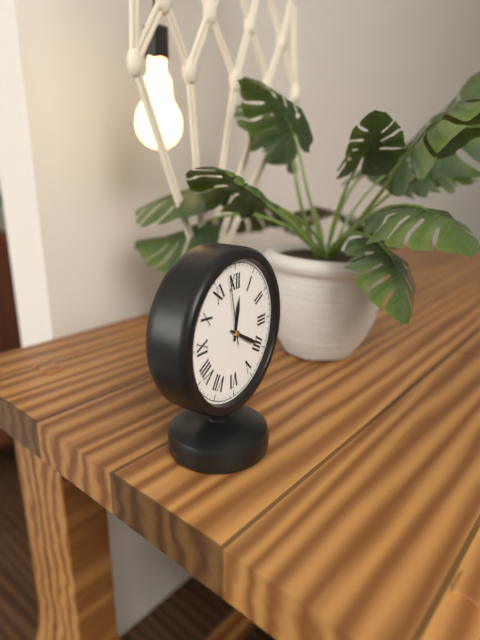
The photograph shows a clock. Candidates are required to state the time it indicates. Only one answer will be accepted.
12:20:58
